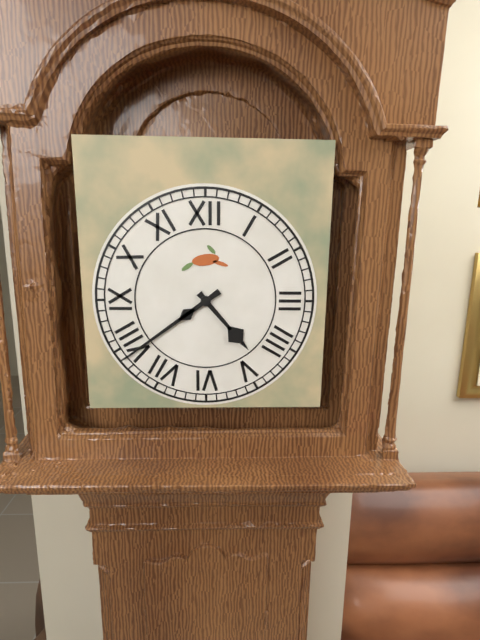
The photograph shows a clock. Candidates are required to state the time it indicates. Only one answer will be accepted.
4:39
